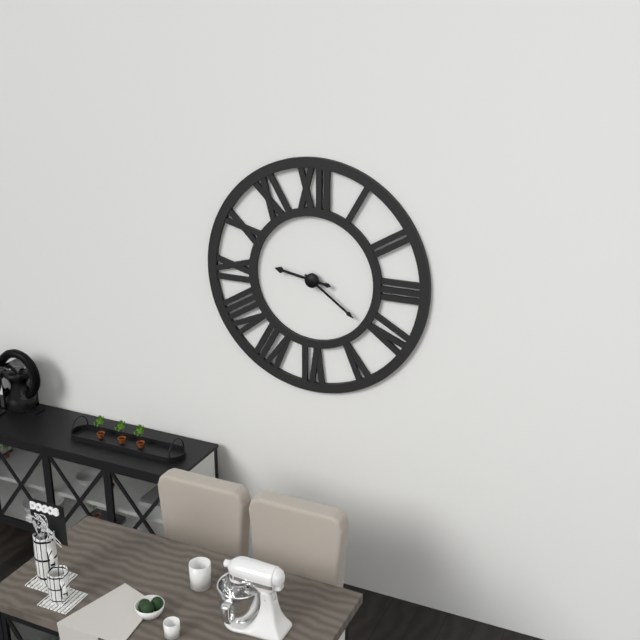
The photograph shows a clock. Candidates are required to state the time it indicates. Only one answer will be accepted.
9:21
